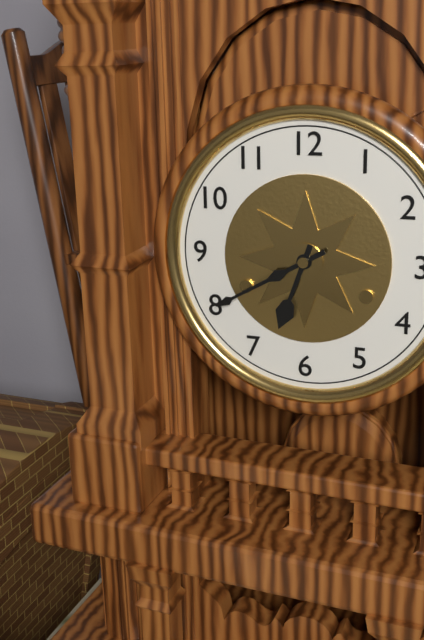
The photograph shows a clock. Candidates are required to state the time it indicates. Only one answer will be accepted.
6:40
